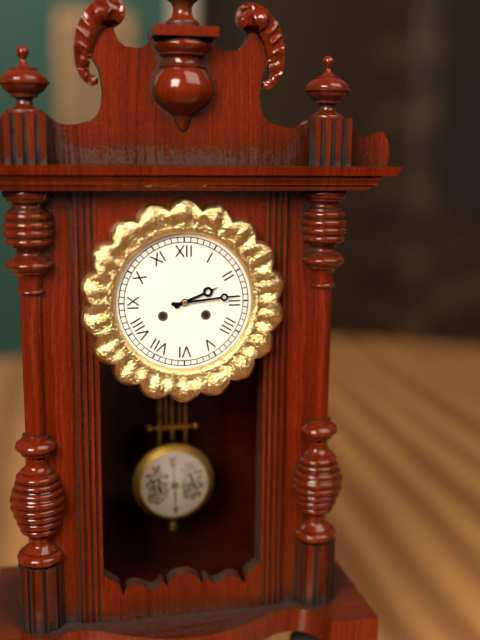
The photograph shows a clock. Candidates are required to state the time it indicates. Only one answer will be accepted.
2:14
